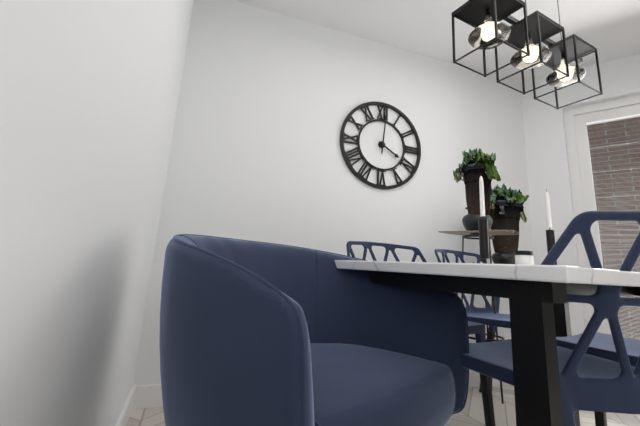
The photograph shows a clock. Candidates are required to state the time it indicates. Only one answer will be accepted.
4:01
